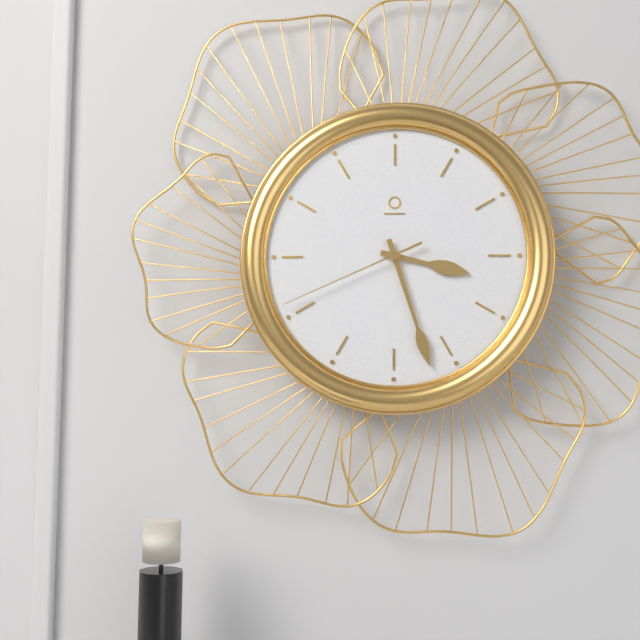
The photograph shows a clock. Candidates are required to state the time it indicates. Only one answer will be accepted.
3:27:41
